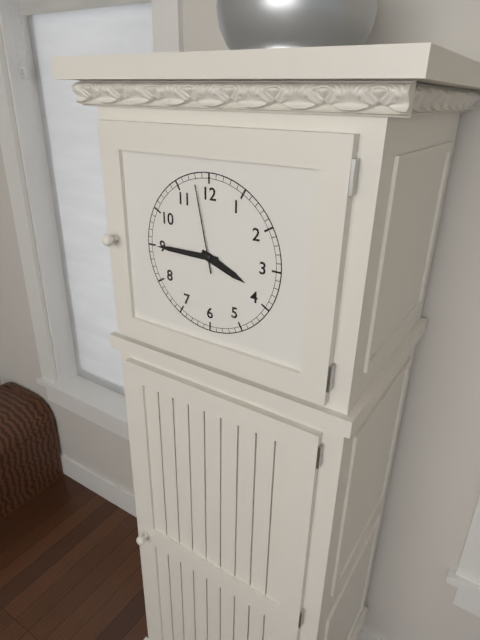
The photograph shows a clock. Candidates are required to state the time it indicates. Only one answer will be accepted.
3:45:58
